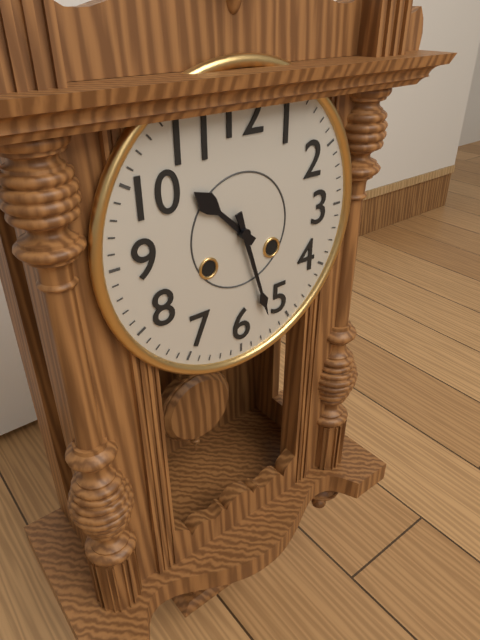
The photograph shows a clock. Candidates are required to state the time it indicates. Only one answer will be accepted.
10:27
